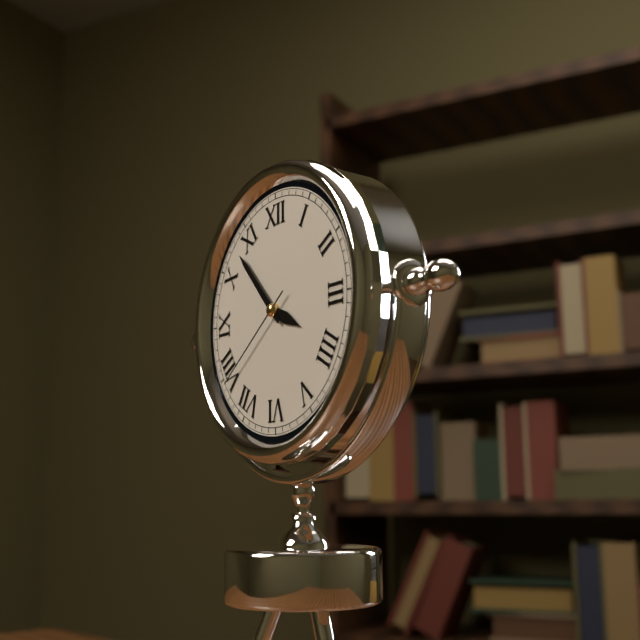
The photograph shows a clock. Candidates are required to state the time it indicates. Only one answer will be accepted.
3:53:39
